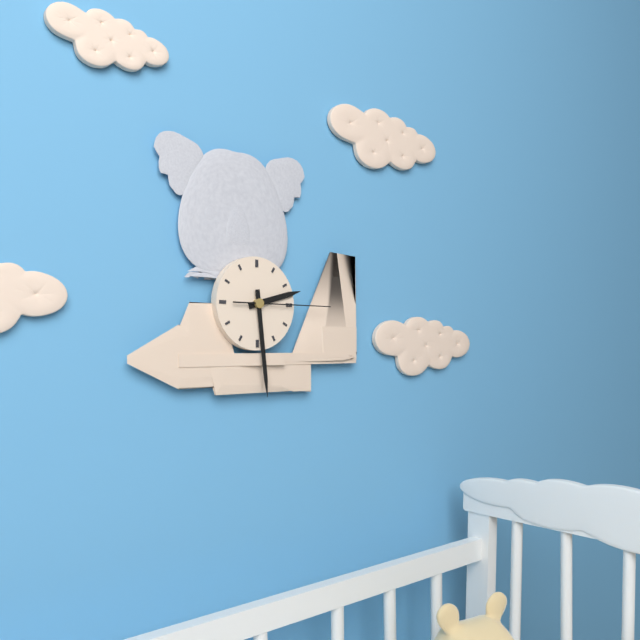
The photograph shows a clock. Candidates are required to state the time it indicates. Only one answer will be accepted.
2:29:15
